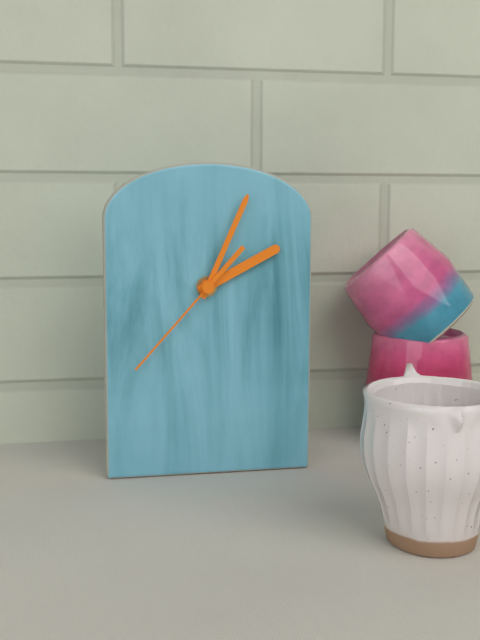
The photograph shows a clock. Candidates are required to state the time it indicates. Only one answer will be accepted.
2:04:37
